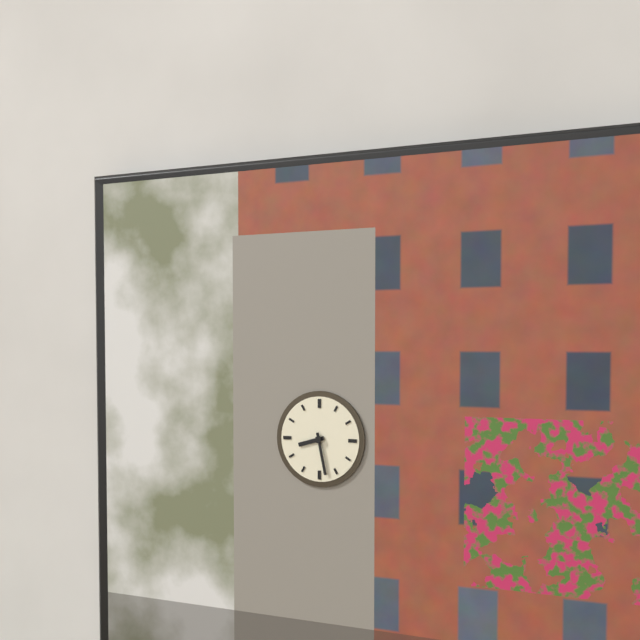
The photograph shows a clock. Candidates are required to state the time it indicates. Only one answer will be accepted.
8:28
